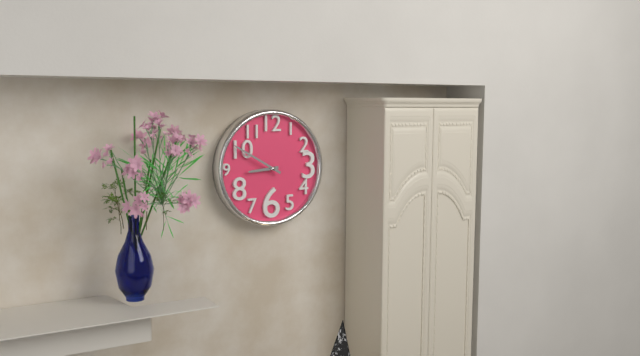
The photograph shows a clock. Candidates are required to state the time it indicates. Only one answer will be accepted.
8:50
